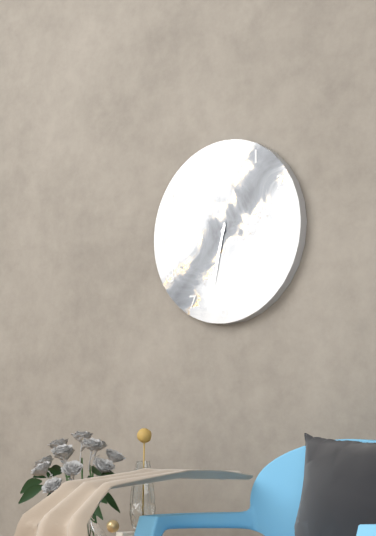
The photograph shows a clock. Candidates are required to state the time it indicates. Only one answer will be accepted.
6:32
